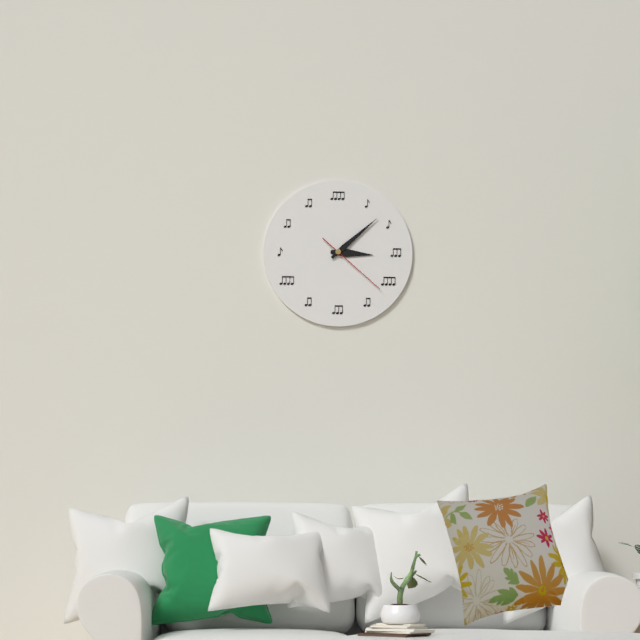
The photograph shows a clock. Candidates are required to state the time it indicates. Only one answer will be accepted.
3:08:22
